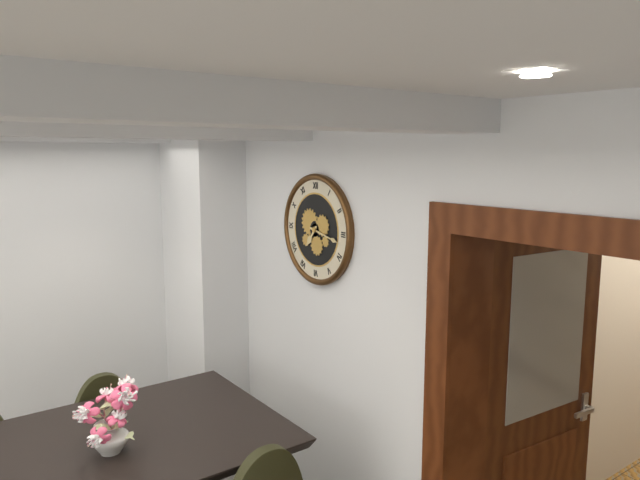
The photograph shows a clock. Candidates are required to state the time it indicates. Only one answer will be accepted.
7:17
